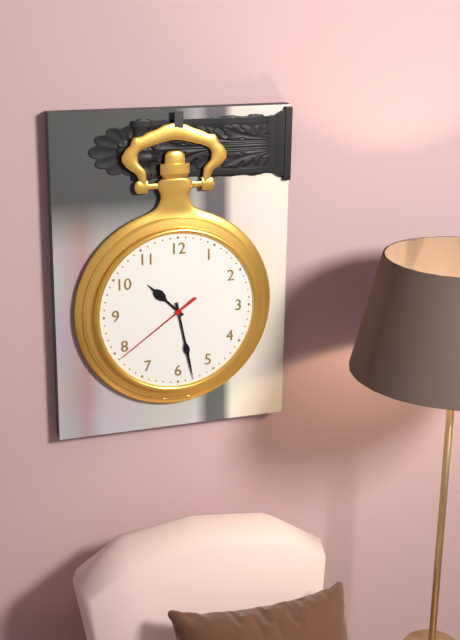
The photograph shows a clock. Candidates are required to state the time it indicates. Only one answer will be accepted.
10:28:39
